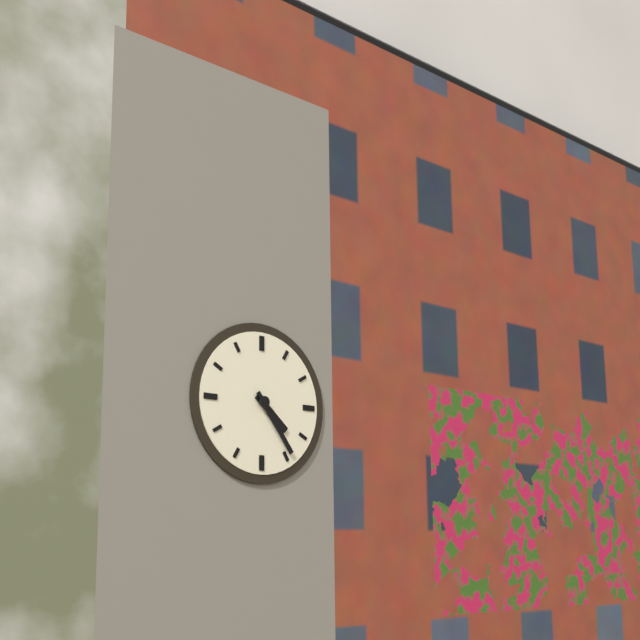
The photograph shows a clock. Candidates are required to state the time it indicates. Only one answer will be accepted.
4:24
